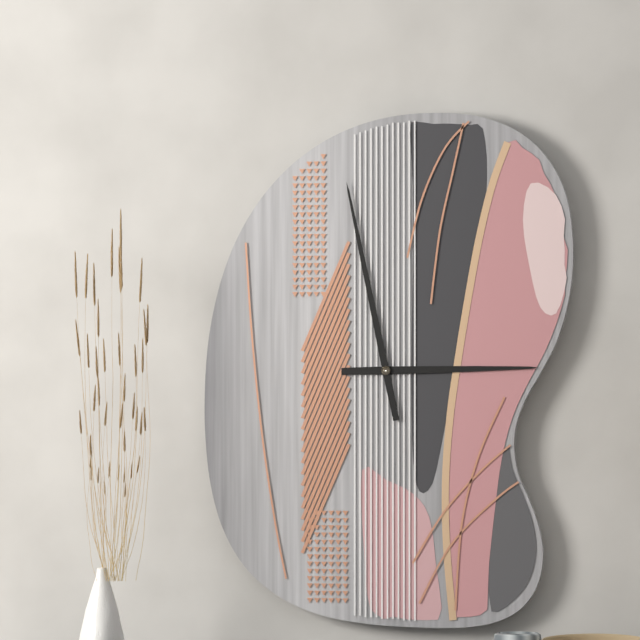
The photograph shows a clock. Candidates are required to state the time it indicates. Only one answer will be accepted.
2:58
